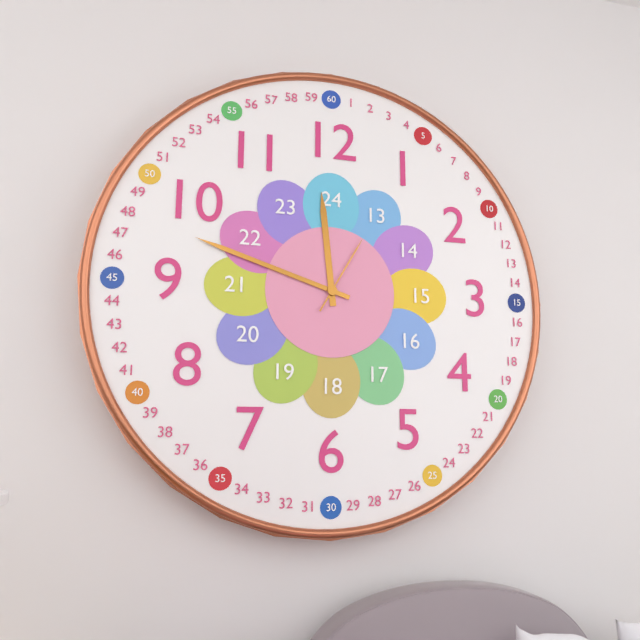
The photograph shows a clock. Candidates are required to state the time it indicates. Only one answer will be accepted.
11:48:05
